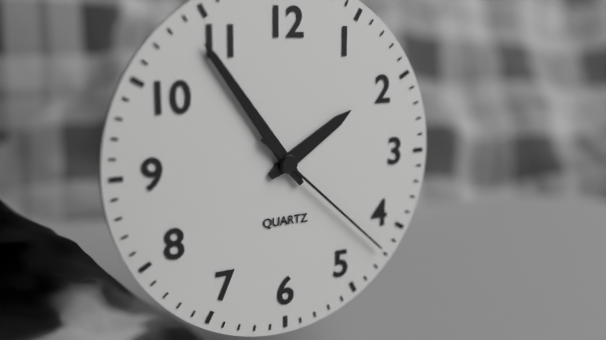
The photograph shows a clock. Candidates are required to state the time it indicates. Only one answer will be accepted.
1:54:22
